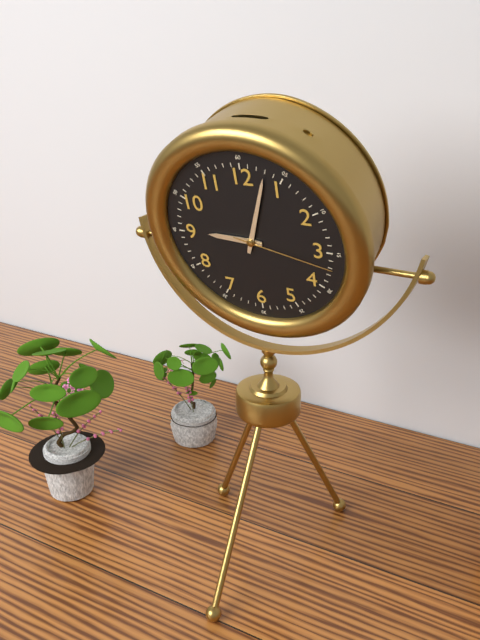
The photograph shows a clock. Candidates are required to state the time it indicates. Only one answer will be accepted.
9:03:17
